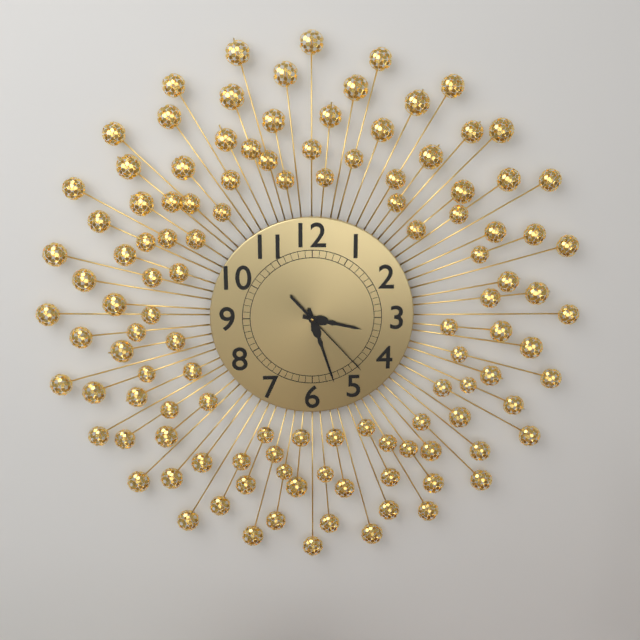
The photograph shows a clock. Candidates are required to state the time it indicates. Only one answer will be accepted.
3:27:23
